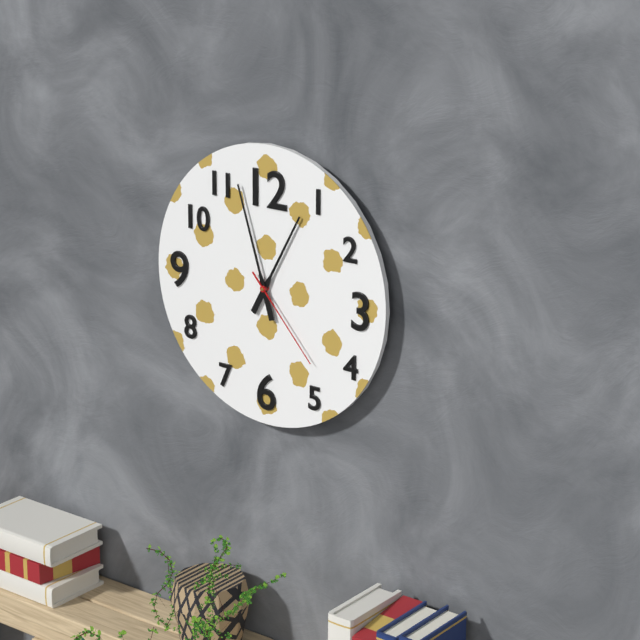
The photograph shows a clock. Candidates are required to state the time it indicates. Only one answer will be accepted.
12:57:23
